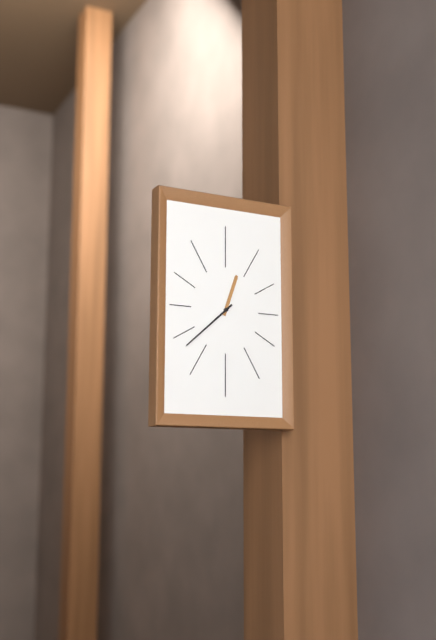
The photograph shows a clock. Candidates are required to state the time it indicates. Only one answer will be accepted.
12:38
